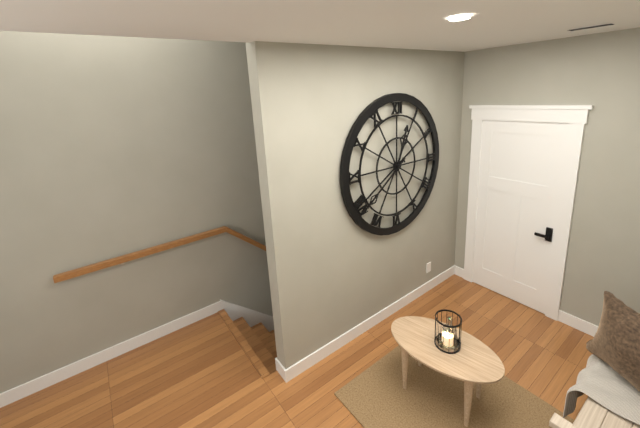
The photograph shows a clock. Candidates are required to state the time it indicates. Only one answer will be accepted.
12:39
